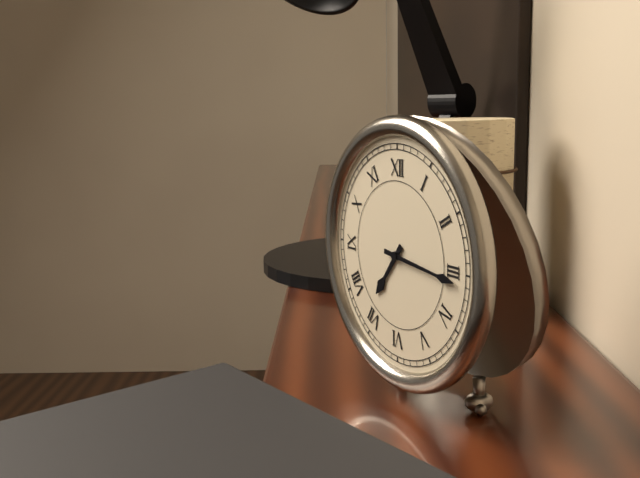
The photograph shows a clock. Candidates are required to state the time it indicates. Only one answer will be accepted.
7:16
